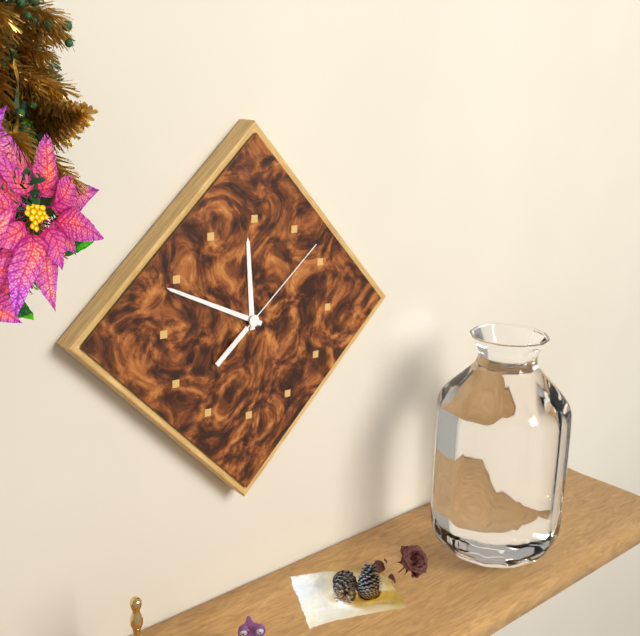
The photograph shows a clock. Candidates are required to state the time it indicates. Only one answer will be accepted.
11:49:08
